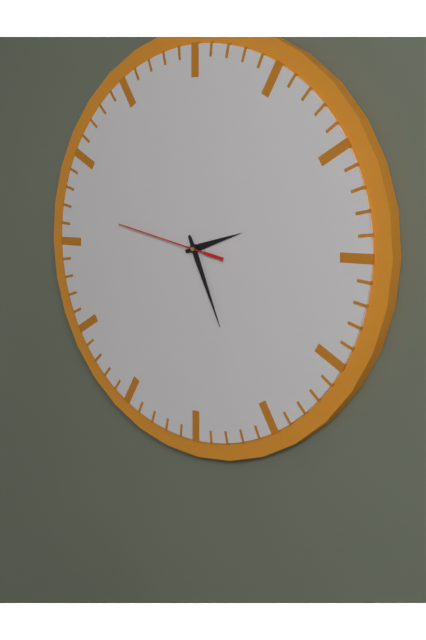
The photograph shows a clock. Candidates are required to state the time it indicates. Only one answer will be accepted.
2:26:47
